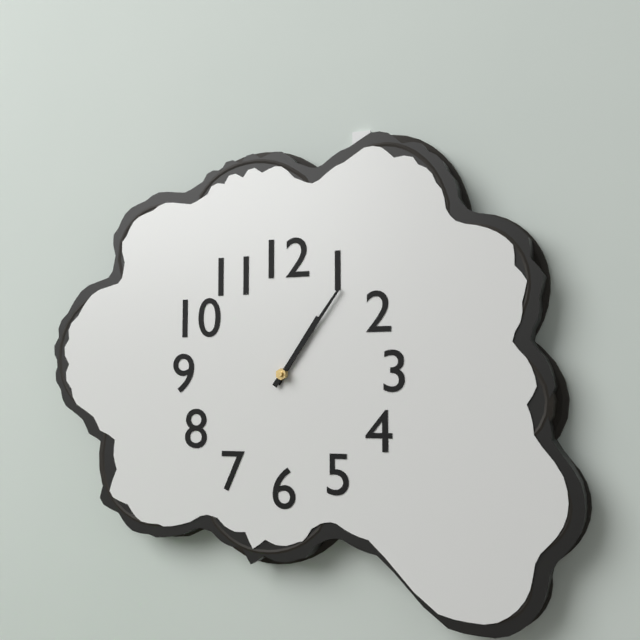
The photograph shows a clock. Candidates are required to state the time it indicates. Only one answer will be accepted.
1:06
